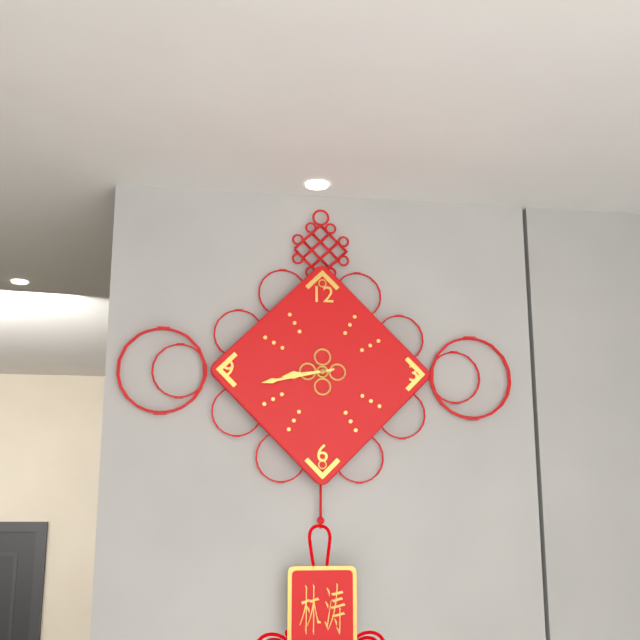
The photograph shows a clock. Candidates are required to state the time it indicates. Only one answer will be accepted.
8:43
